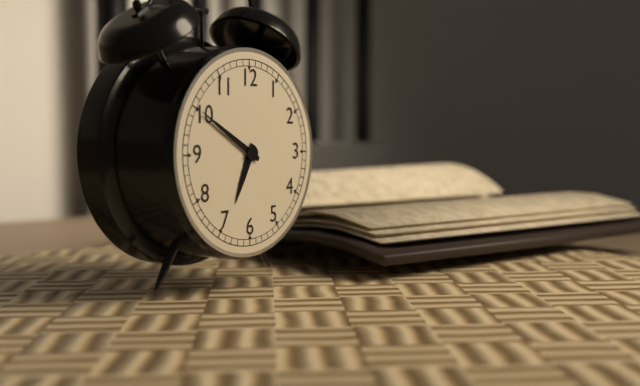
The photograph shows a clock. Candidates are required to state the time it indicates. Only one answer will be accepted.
6:50
